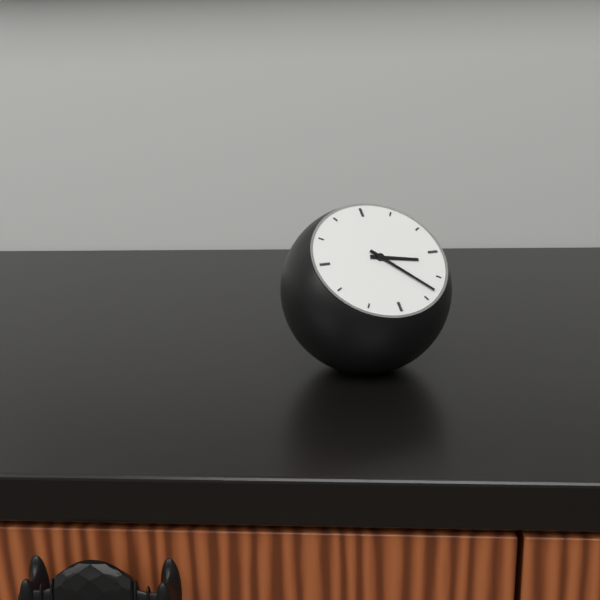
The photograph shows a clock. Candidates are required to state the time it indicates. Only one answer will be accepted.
3:23
